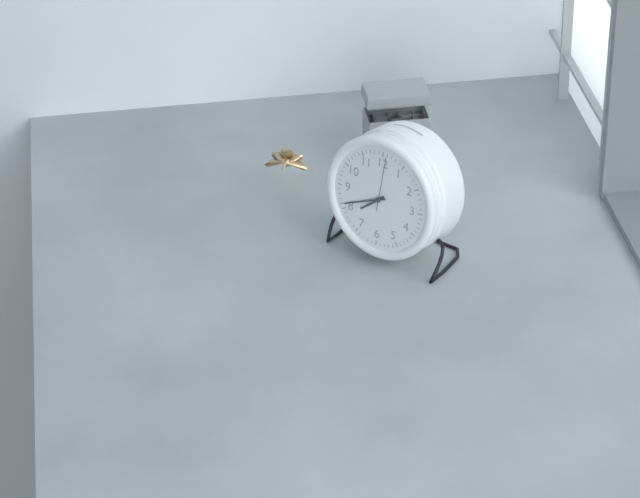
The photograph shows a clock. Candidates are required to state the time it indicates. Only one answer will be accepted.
7:41:01
